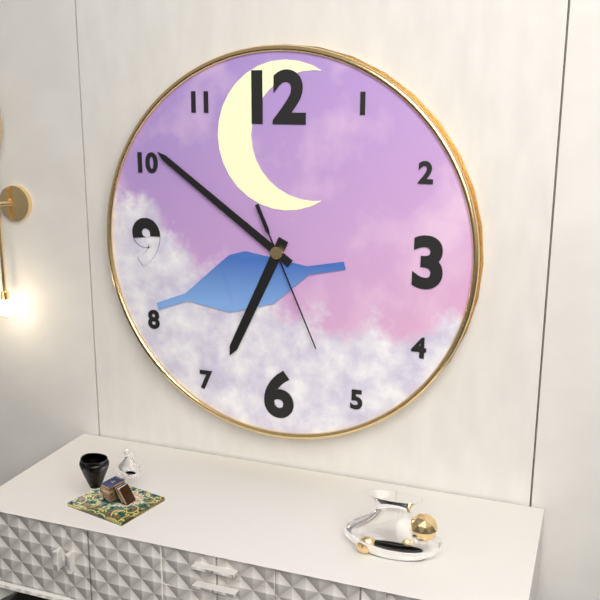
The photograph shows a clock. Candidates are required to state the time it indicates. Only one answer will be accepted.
6:51:26
